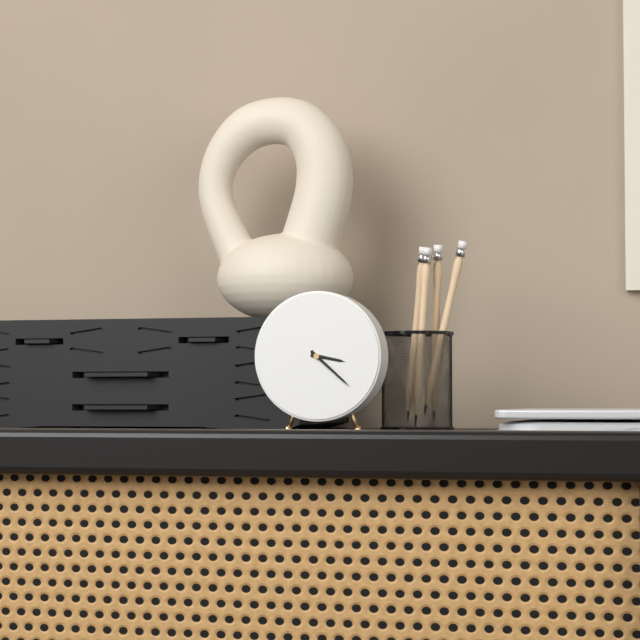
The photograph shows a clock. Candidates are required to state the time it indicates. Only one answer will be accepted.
3:22
